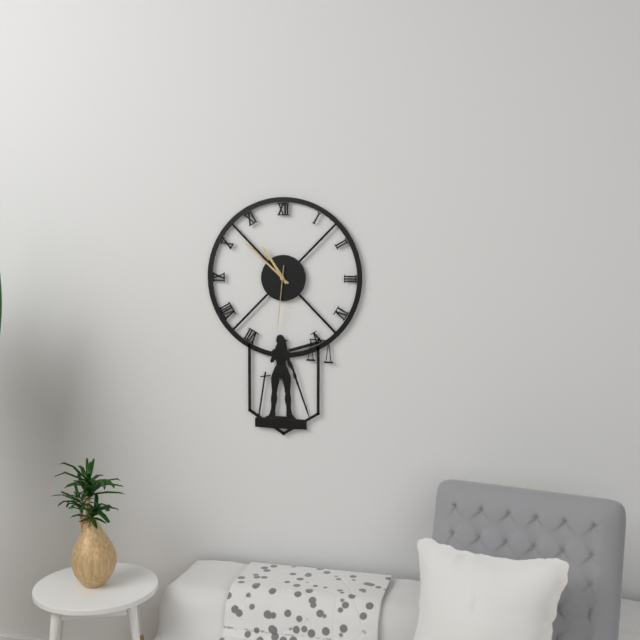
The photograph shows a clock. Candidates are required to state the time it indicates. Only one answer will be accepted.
10:52:31
